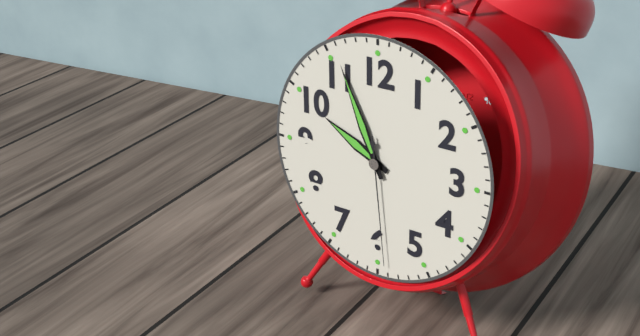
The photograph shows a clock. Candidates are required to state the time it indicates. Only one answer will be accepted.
9:56:29
